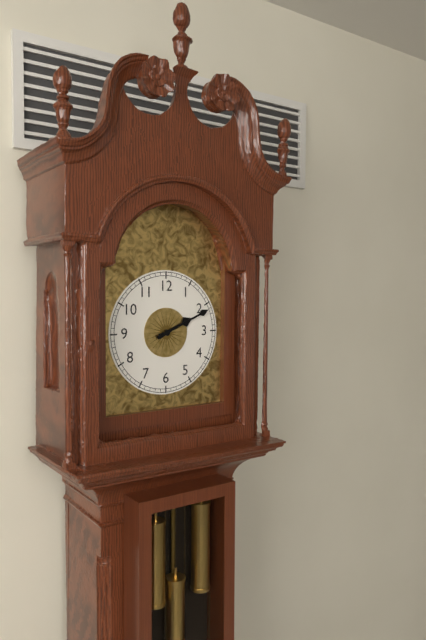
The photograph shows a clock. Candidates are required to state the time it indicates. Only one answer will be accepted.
2:11
